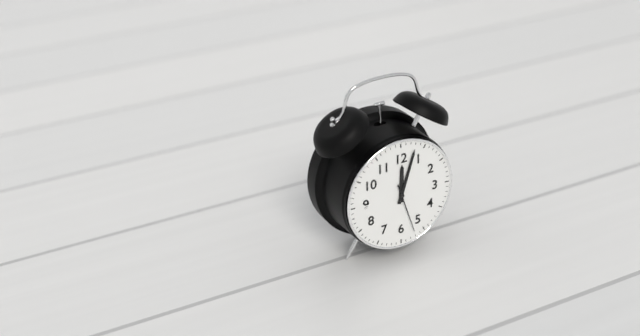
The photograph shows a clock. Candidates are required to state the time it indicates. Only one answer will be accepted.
12:03
